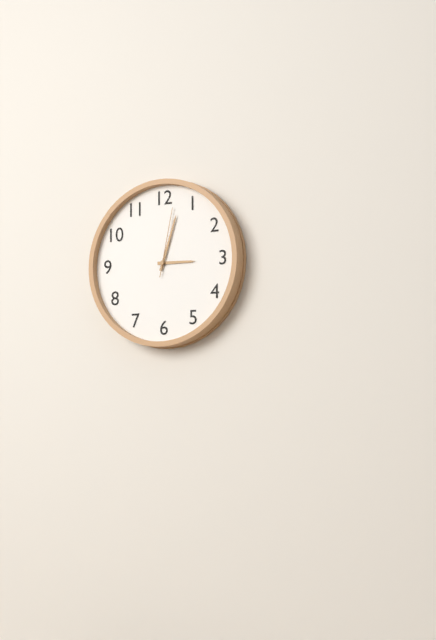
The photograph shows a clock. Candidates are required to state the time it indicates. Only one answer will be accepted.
3:03:02
